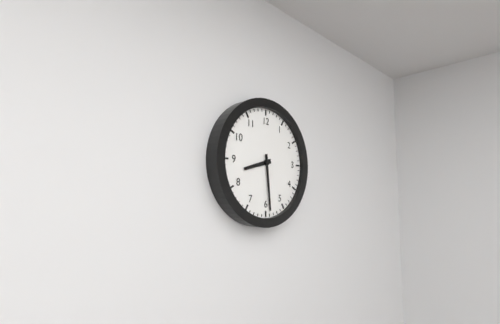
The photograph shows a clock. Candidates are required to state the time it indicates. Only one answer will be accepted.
8:29
